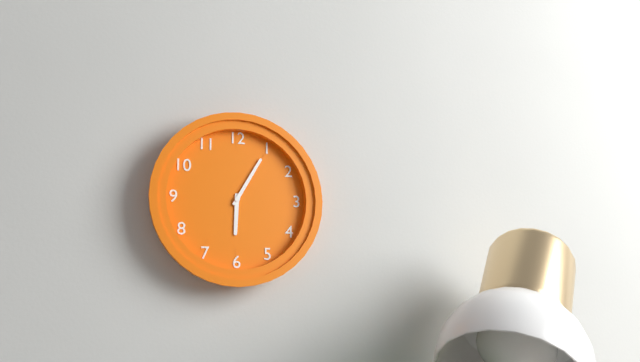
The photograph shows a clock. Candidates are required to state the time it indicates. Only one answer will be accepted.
6:05
